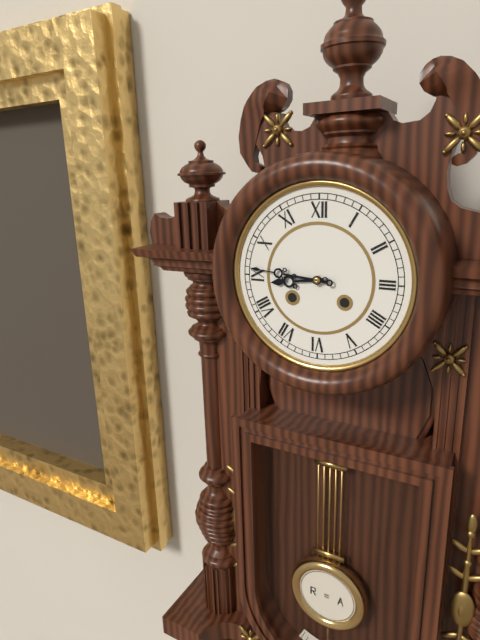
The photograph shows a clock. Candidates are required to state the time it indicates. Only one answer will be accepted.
8:46
